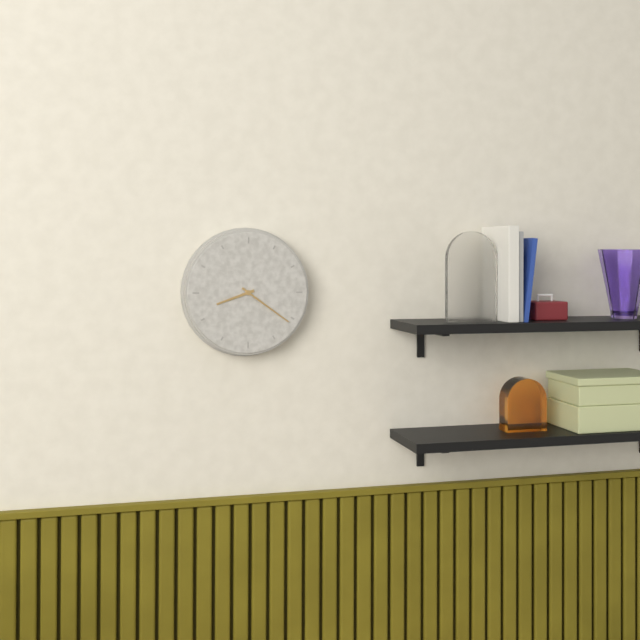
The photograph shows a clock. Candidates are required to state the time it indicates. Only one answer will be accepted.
8:21
